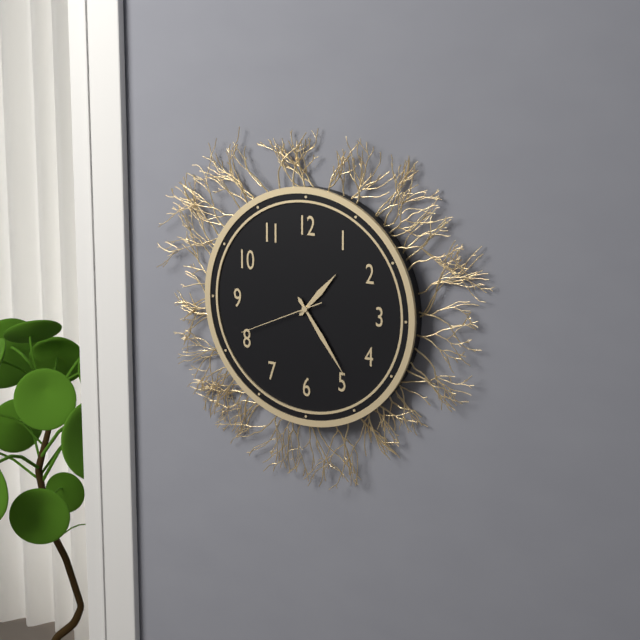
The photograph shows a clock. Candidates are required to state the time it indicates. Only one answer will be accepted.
1:24:41
